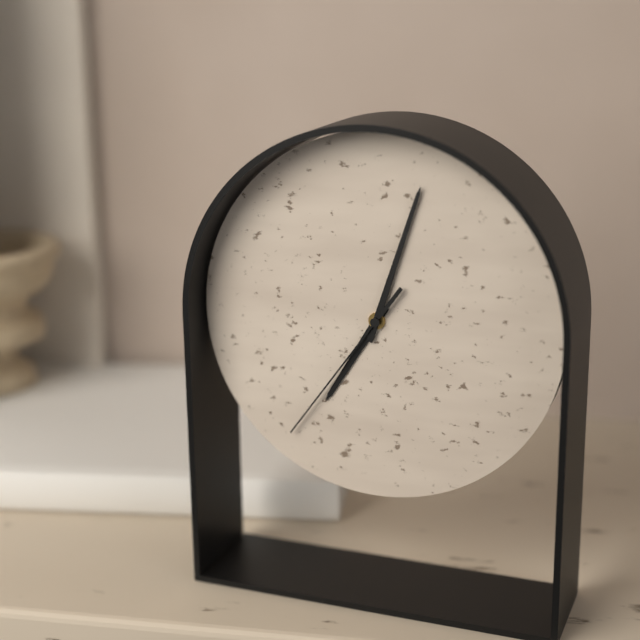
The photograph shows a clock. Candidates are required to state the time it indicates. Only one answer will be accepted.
7:03:36
